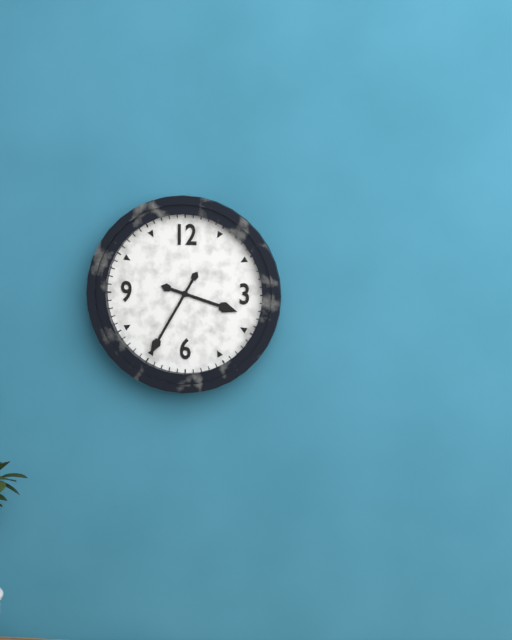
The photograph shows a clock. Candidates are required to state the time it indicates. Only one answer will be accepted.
3:35
